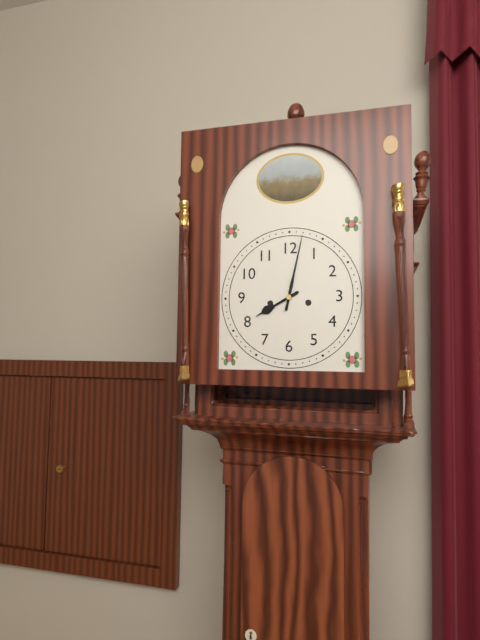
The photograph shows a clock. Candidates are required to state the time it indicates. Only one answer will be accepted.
8:02
